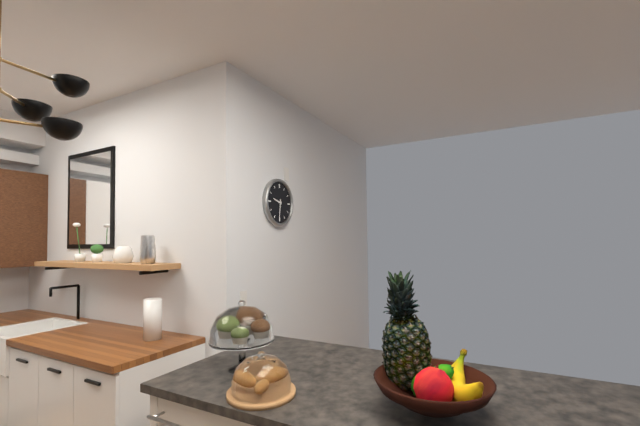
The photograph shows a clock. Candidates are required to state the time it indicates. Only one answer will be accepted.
9:31
